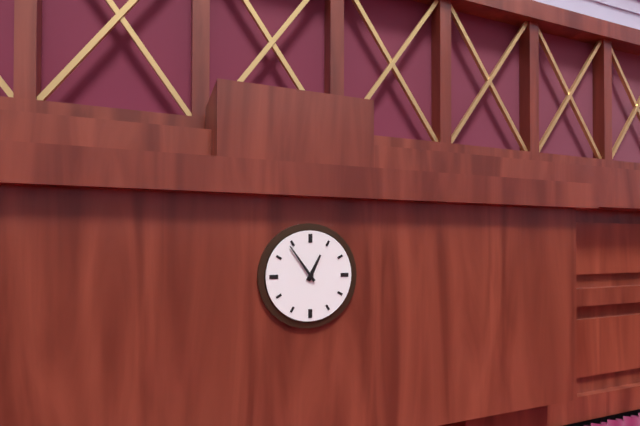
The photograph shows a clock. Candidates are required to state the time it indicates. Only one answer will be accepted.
12:54
